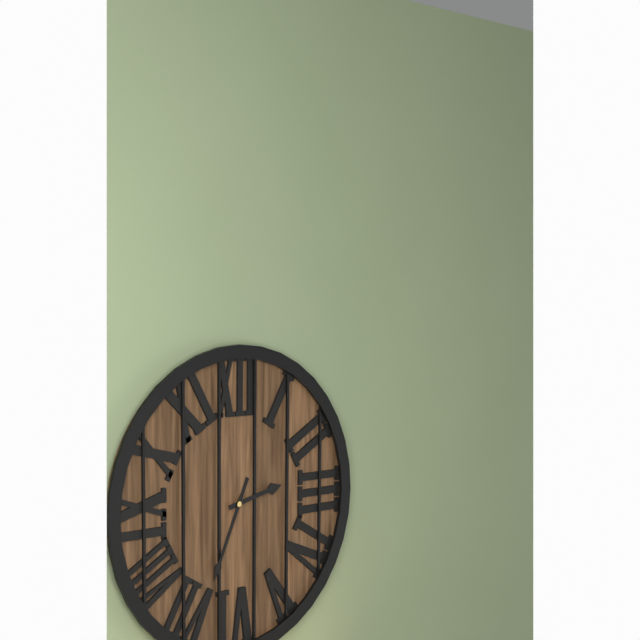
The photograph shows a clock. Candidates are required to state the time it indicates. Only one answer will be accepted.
2:34
